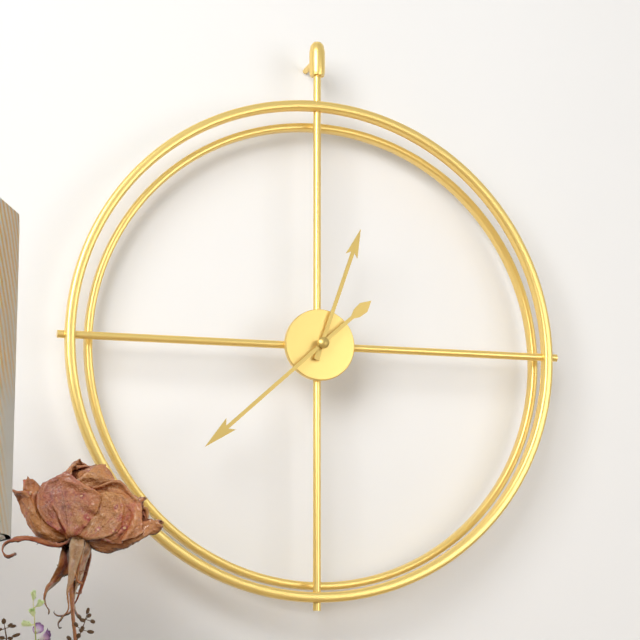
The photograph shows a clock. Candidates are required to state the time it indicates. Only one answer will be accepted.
12:38
